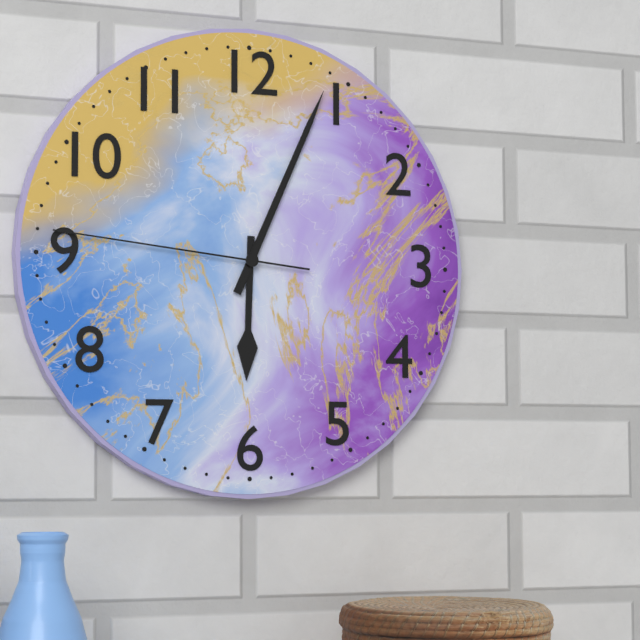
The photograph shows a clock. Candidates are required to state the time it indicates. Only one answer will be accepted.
6:04:46
